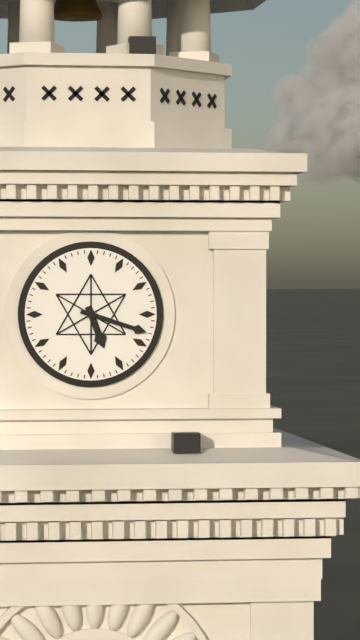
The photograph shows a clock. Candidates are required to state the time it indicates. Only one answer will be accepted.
5:18
